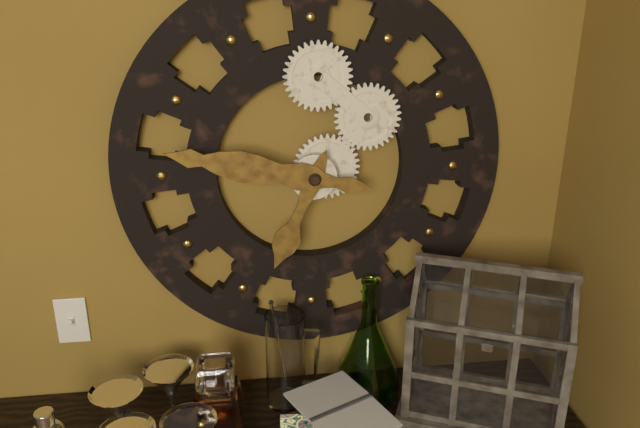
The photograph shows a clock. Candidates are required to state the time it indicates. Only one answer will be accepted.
6:47
